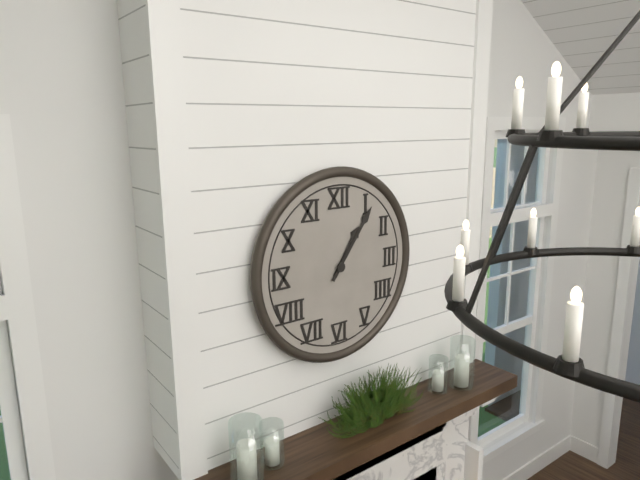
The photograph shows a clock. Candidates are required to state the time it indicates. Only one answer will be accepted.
1:06
